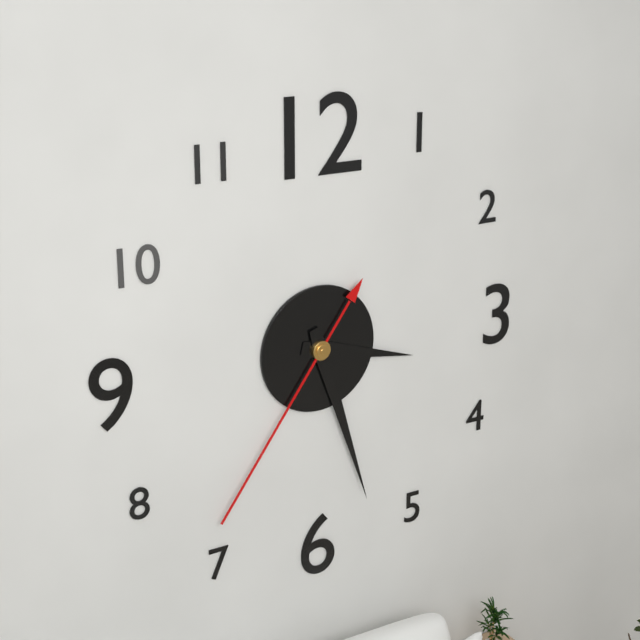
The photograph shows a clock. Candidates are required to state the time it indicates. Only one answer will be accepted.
3:27:36
